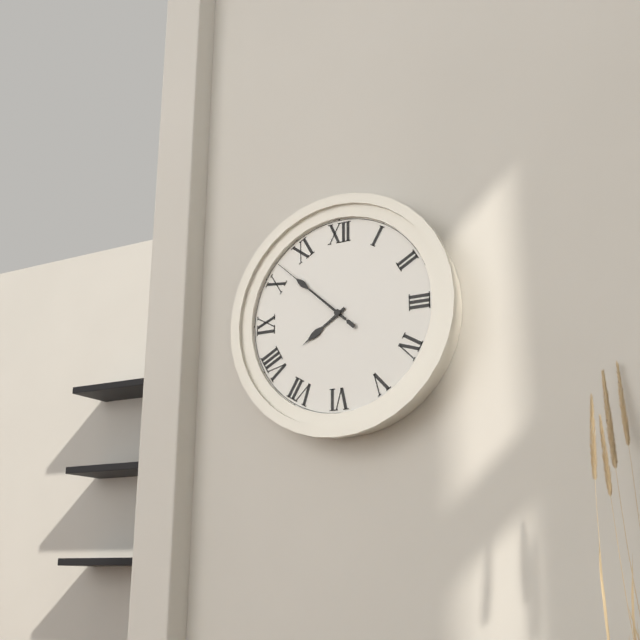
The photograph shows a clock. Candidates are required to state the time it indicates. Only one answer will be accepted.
7:52:52
